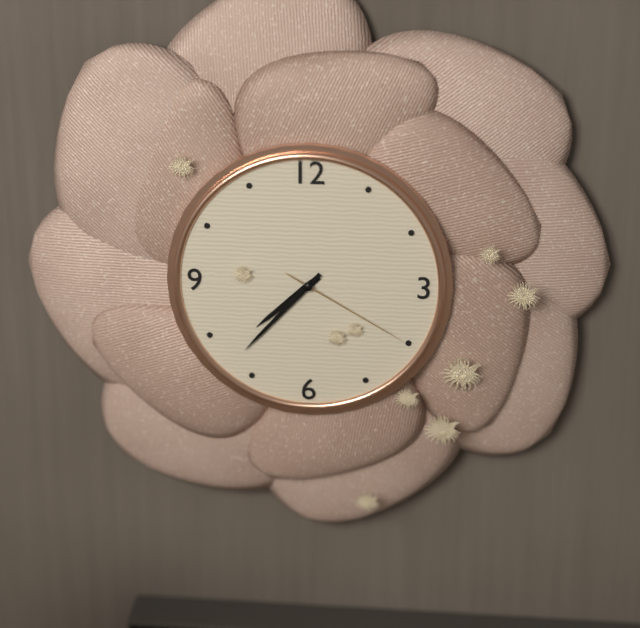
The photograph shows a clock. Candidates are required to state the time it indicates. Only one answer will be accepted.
7:37:20
